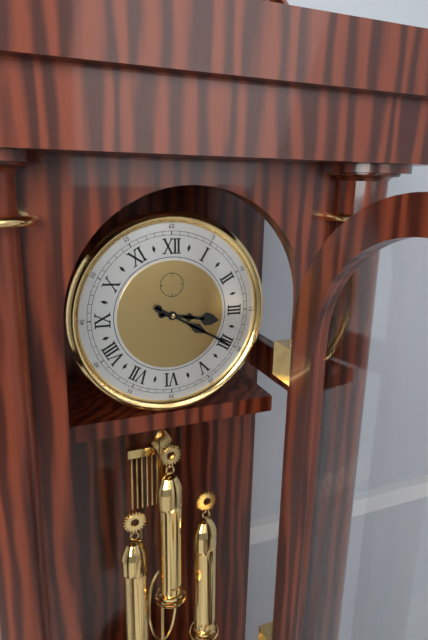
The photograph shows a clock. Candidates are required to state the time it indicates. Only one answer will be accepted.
3:20
